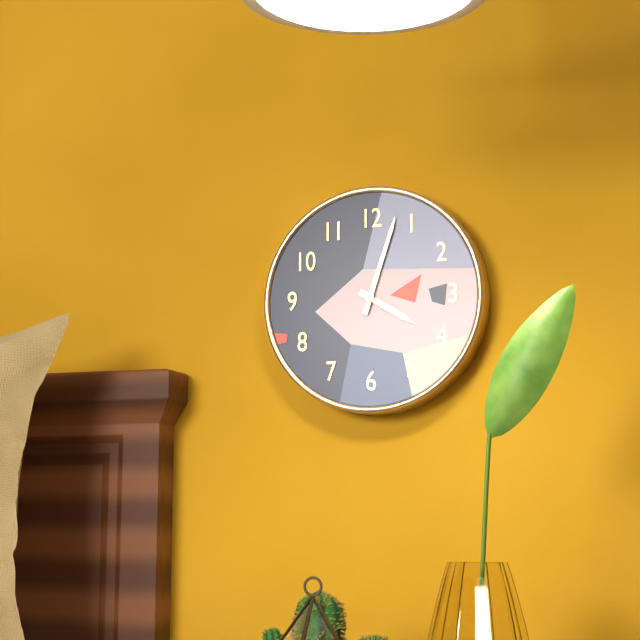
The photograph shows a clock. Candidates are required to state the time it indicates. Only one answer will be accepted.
4:03
